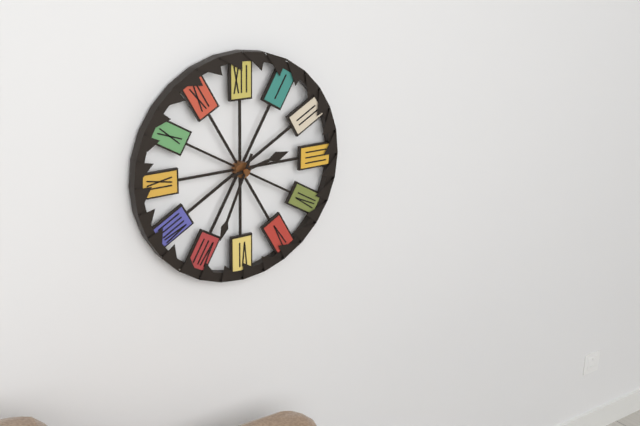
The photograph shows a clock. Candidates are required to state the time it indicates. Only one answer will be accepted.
2:34
